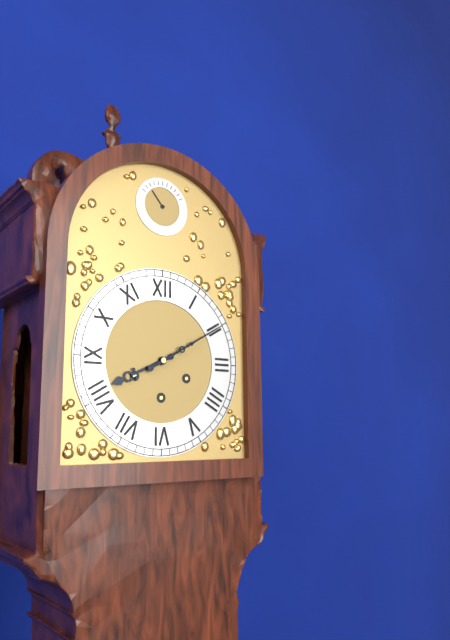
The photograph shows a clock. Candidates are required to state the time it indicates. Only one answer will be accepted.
8:10
